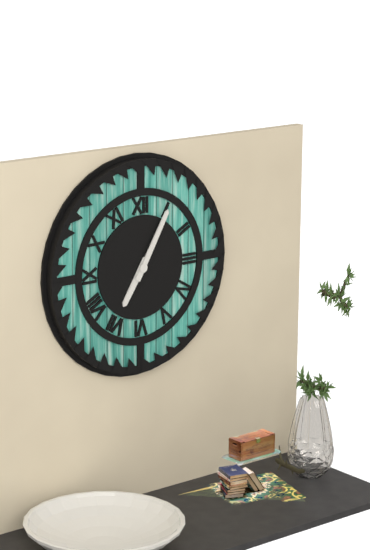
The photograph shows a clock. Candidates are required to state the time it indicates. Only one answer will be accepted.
7:05
